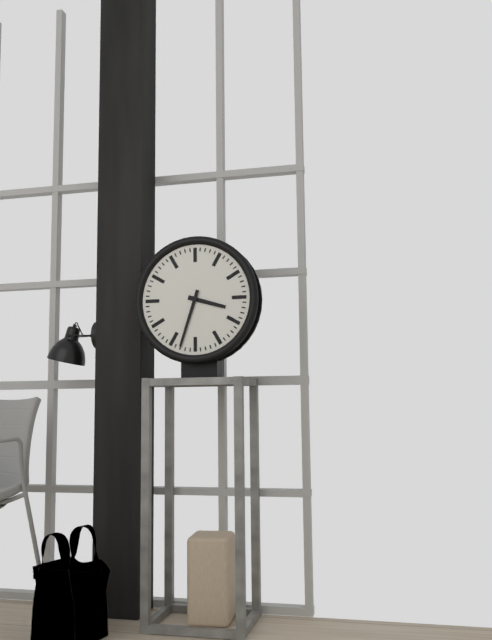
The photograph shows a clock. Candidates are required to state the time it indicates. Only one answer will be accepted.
3:33
